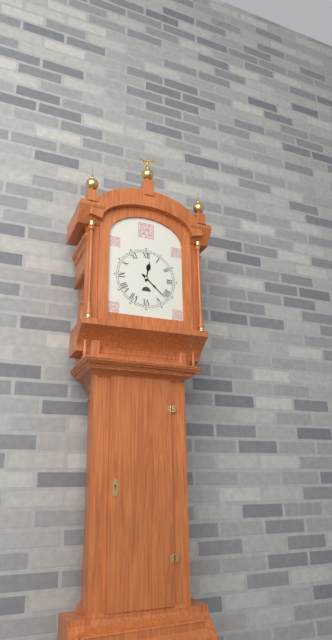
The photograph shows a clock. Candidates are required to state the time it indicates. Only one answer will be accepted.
12:22
